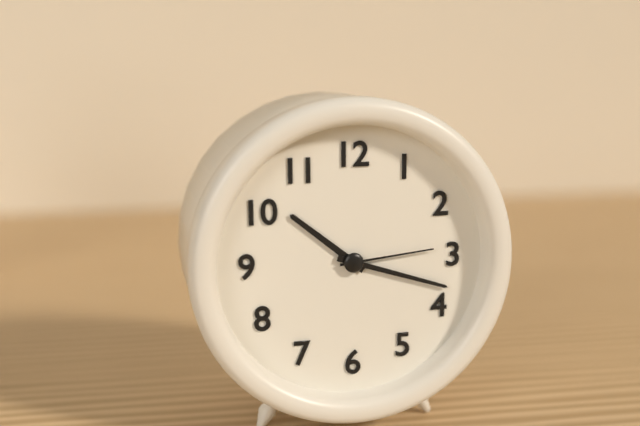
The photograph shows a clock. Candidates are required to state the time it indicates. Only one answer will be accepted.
10:18:14
